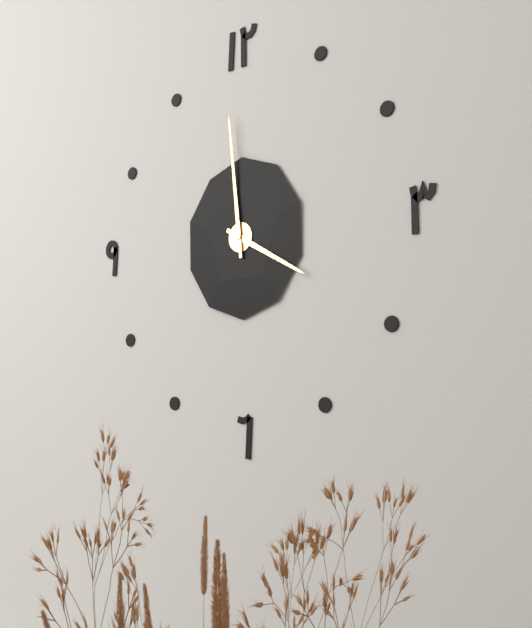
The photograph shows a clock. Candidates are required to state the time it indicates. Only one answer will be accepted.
3:59
